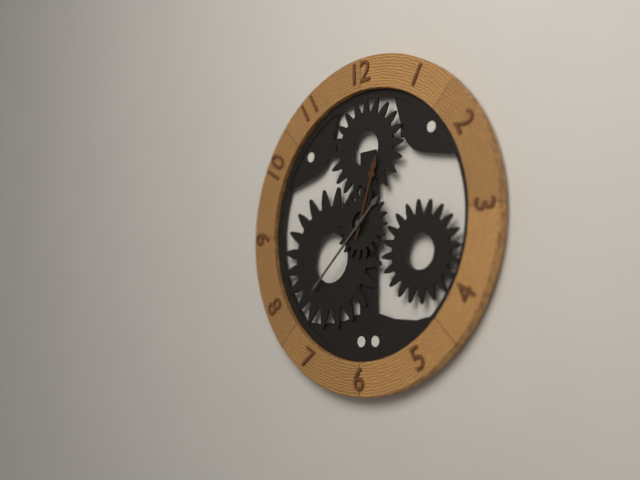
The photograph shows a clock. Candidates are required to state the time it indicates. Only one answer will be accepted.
12:38
